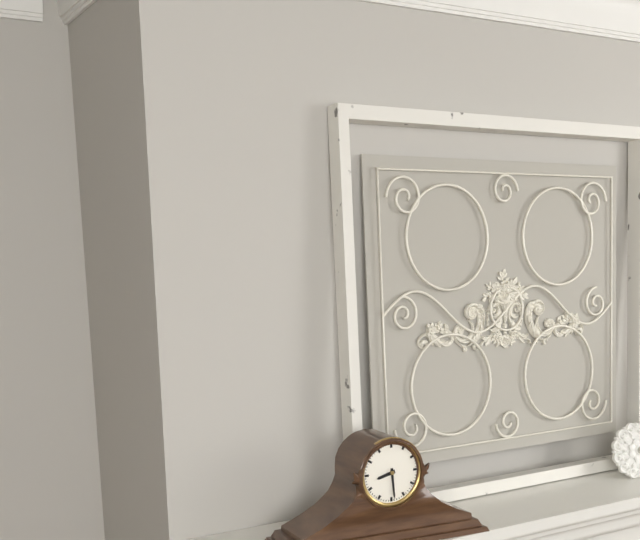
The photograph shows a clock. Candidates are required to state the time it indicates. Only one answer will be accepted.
8:29
